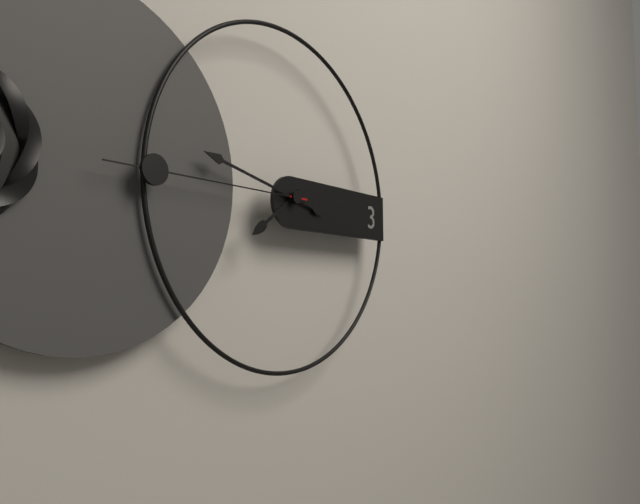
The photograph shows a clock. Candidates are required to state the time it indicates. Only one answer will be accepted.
7:47:45
